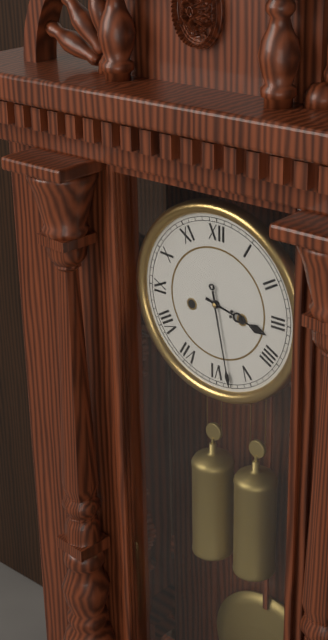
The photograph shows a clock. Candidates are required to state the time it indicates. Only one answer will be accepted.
3:28
